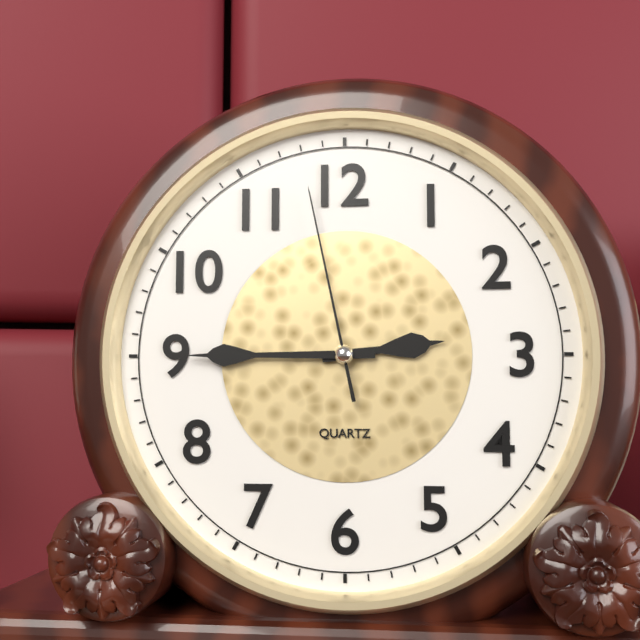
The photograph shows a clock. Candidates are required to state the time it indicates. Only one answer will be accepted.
2:45:58
